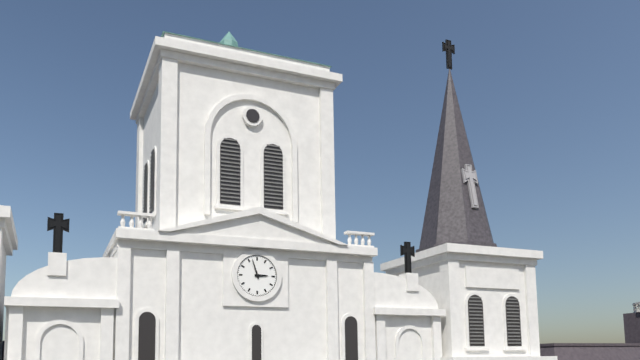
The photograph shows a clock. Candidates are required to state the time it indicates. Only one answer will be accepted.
2:57
